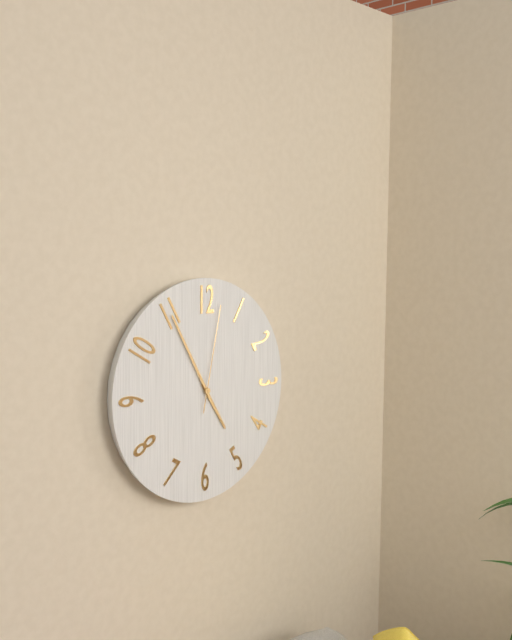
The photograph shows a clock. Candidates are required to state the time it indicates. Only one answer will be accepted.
4:55:02
